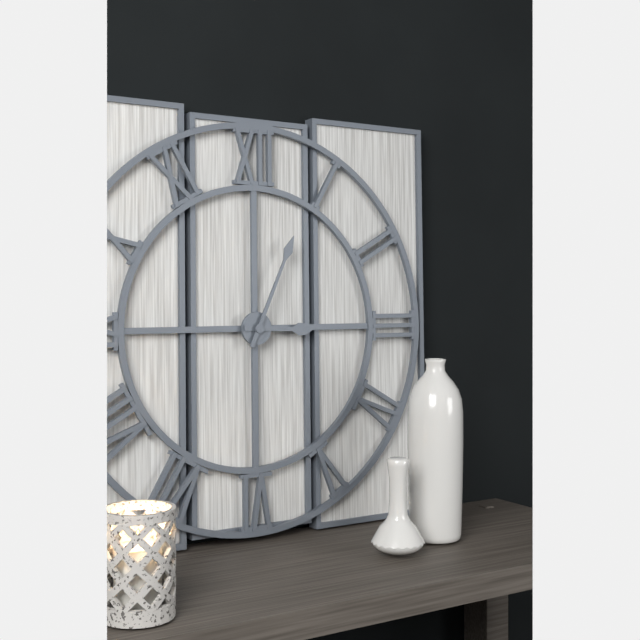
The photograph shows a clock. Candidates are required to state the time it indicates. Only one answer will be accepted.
3:04
